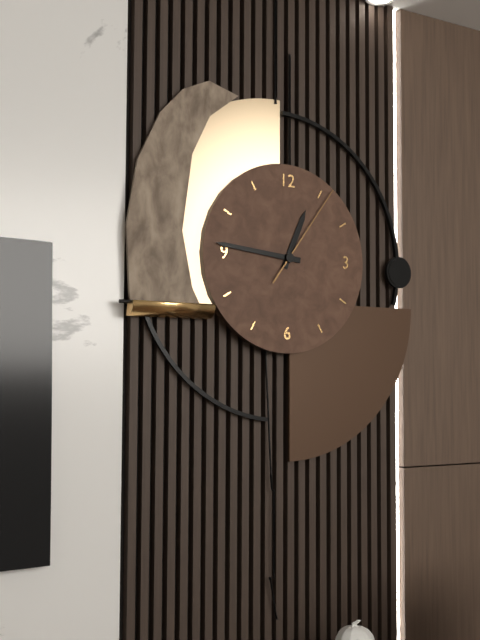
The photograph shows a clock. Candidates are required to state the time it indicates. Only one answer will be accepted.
12:46:06
